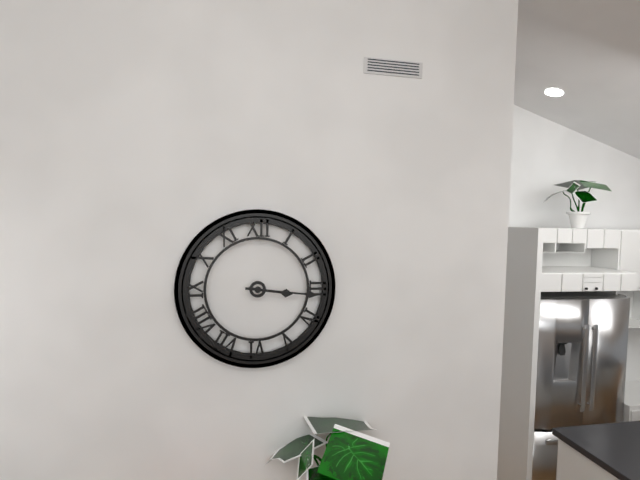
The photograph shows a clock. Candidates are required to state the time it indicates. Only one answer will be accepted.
3:16
